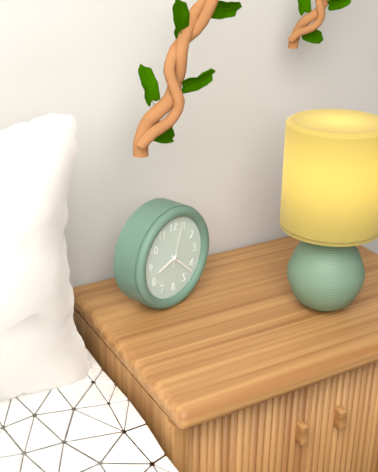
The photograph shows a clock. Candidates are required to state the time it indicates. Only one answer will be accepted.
8:22
